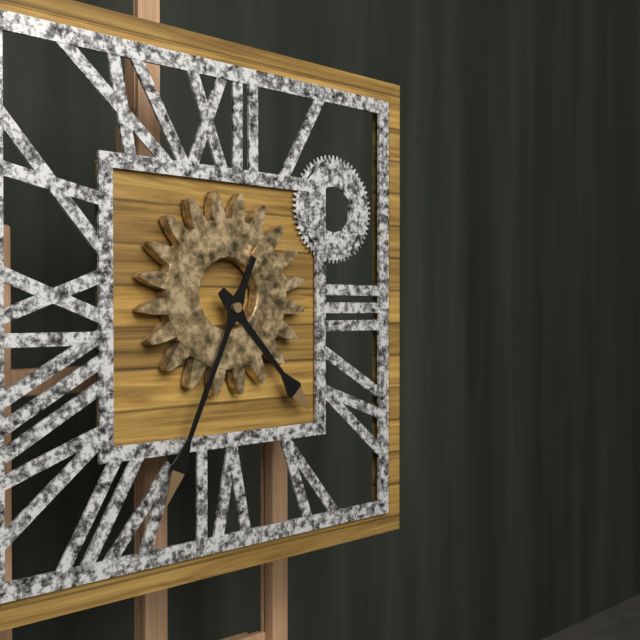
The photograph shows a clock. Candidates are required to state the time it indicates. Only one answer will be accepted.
4:34
